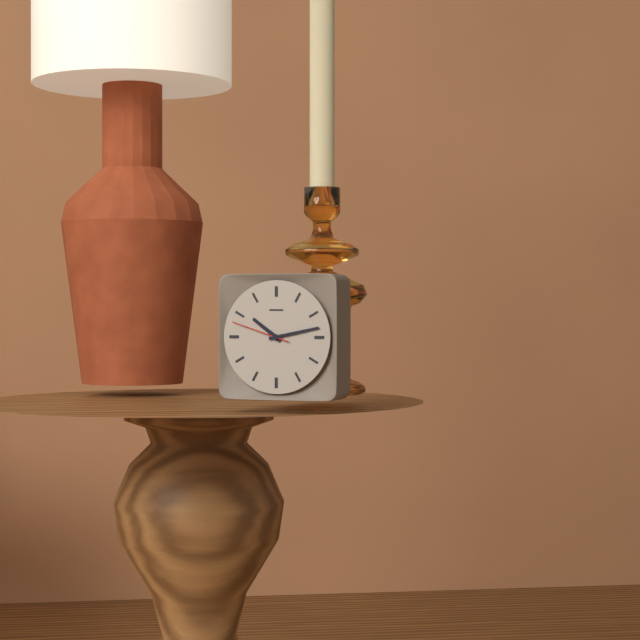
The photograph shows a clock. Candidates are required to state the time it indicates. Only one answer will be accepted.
10:13:48
